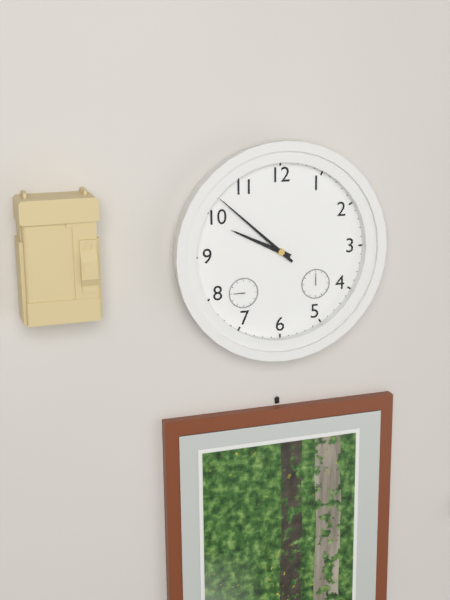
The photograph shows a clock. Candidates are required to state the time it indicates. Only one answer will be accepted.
9:52
